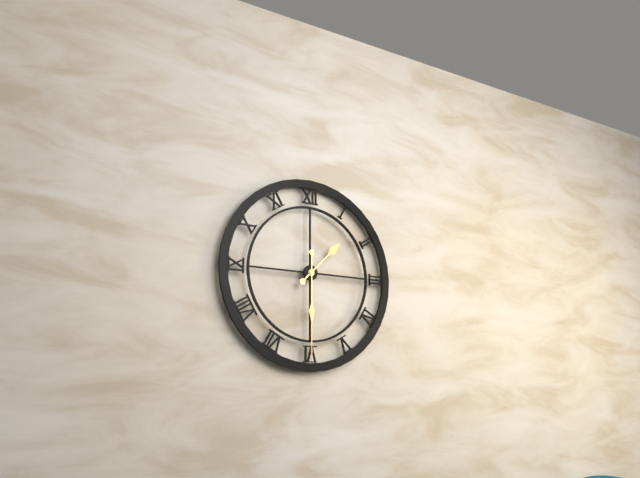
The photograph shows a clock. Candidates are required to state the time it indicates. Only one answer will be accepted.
1:30
